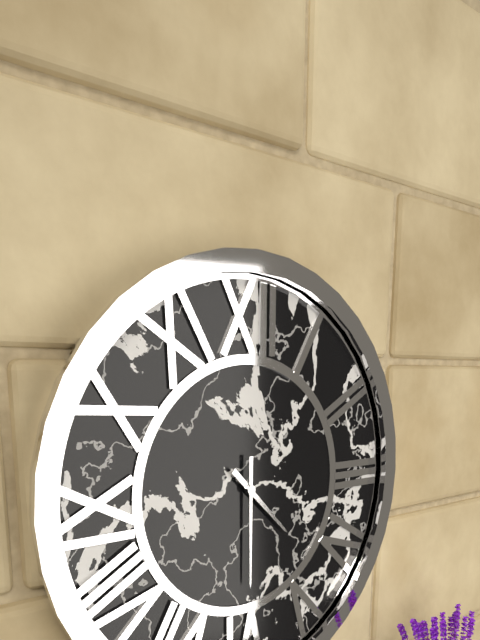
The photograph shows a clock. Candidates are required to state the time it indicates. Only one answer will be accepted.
4:30
